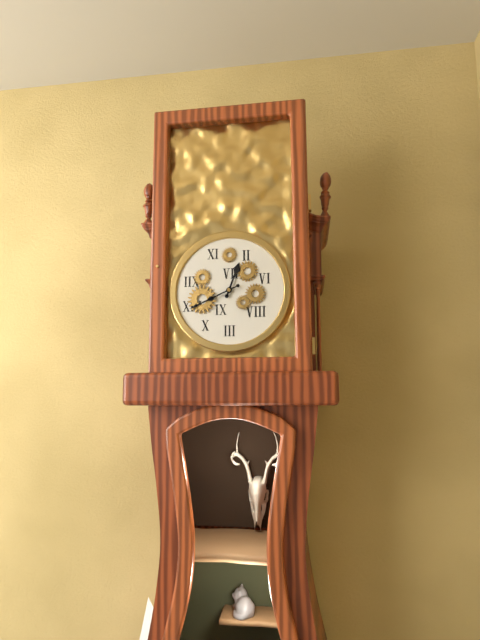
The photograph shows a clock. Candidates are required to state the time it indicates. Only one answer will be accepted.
12:41
